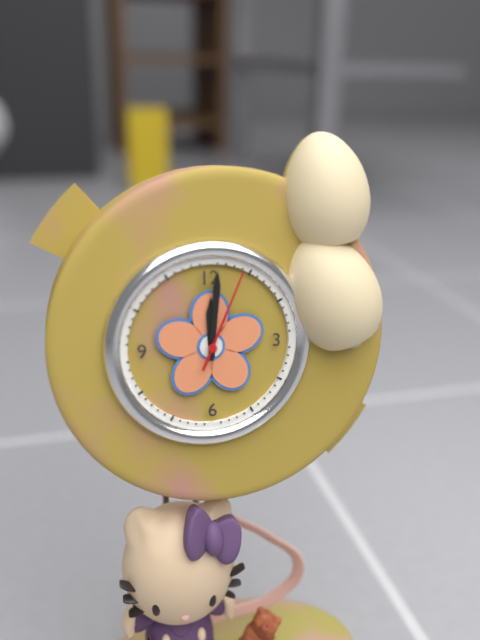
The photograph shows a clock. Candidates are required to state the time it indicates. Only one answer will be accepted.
12:01:04
